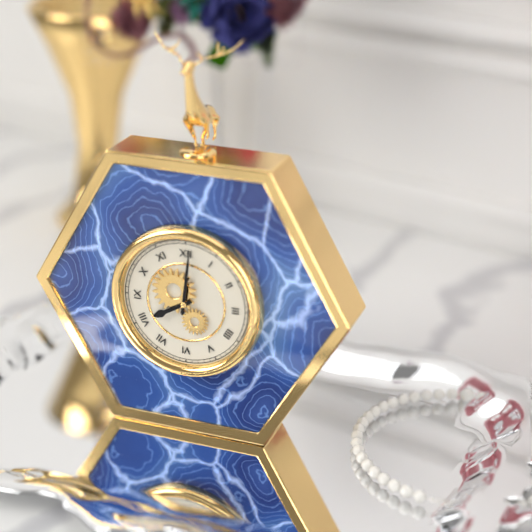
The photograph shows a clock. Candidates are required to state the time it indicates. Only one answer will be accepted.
8:01
